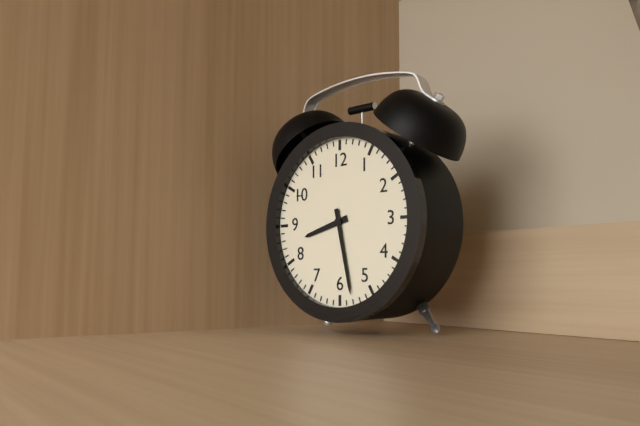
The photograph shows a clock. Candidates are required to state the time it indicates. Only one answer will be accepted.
8:28
